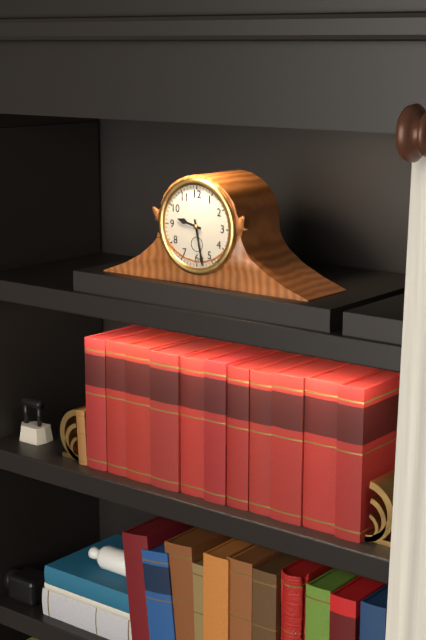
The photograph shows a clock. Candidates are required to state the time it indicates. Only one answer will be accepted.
9:28
